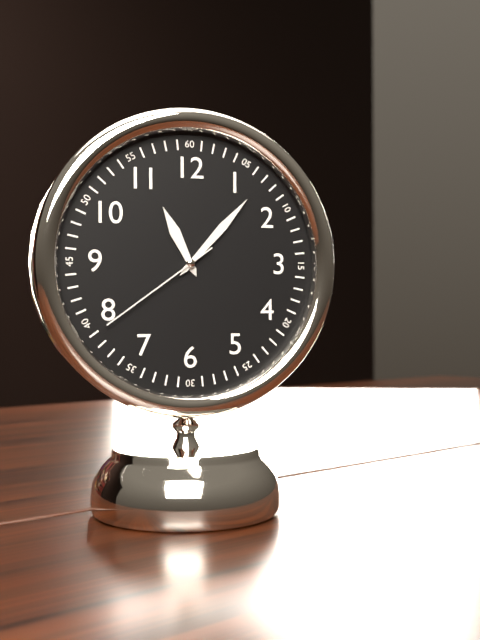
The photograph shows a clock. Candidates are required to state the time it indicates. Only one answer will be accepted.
11:07:39
